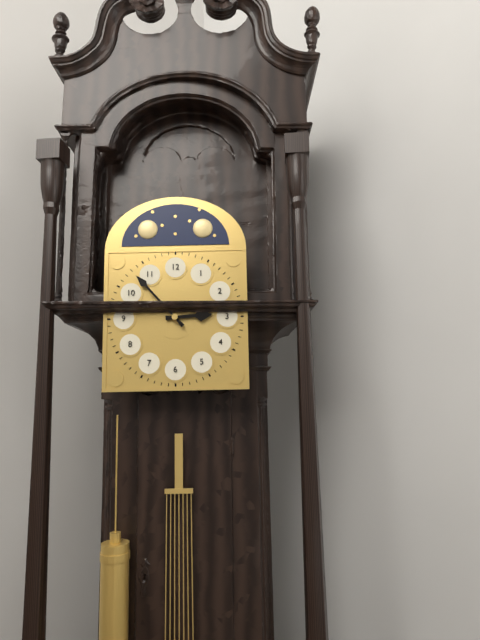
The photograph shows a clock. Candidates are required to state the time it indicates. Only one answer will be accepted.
2:53
